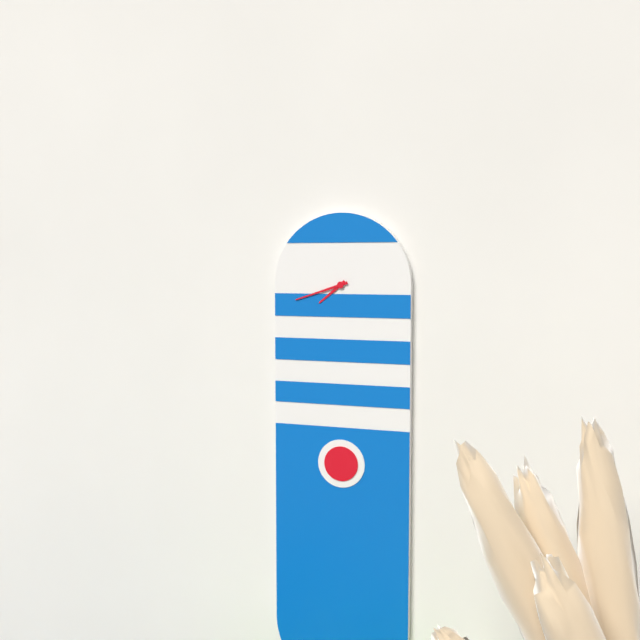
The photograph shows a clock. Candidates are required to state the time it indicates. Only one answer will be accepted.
7:42
